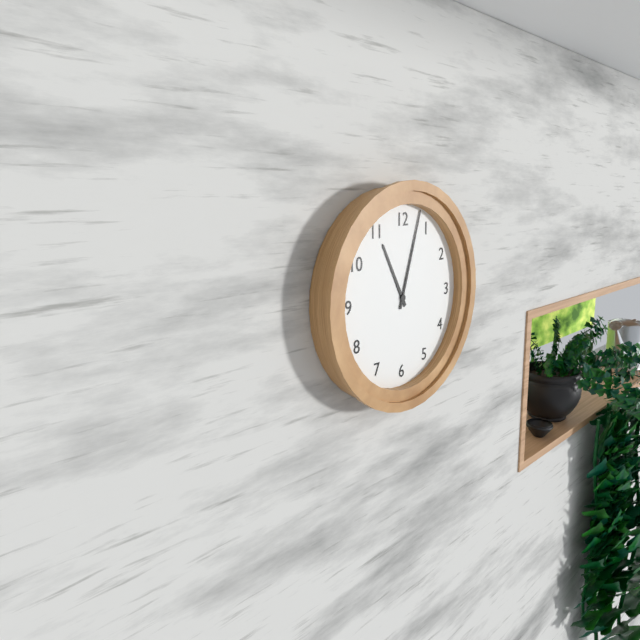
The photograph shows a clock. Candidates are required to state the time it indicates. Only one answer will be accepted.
11:03
